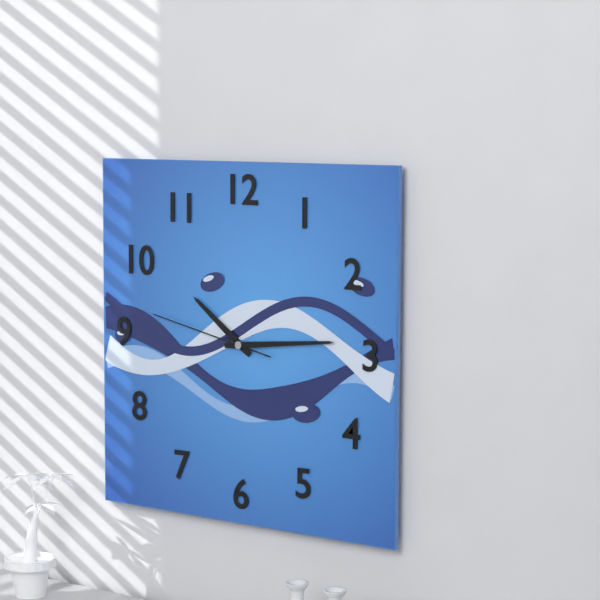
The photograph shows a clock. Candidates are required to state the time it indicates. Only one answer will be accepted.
10:14:47
